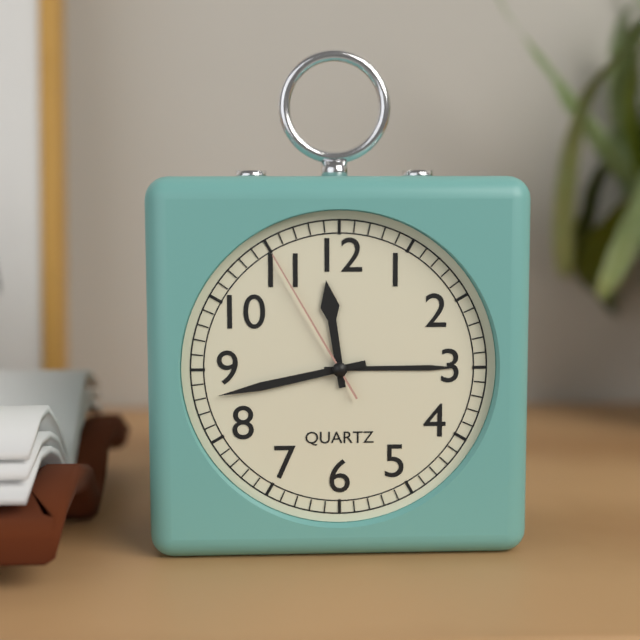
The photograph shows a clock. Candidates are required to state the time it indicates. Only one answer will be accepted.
11:43:55
